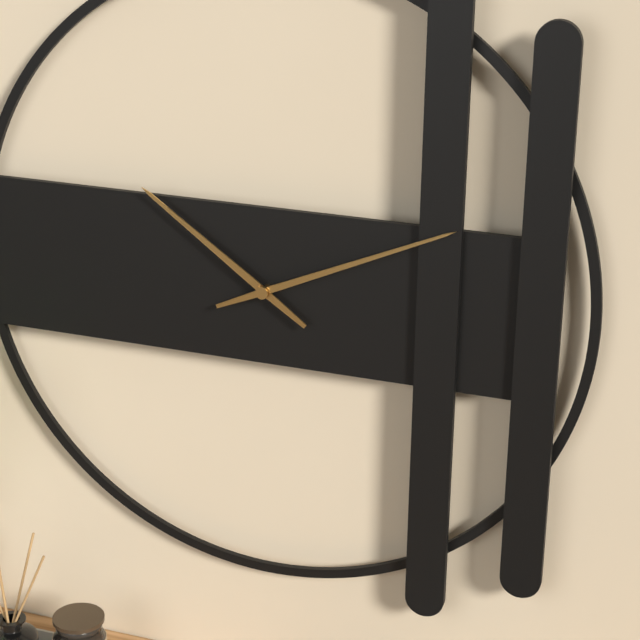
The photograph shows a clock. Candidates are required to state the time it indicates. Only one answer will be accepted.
10:11
